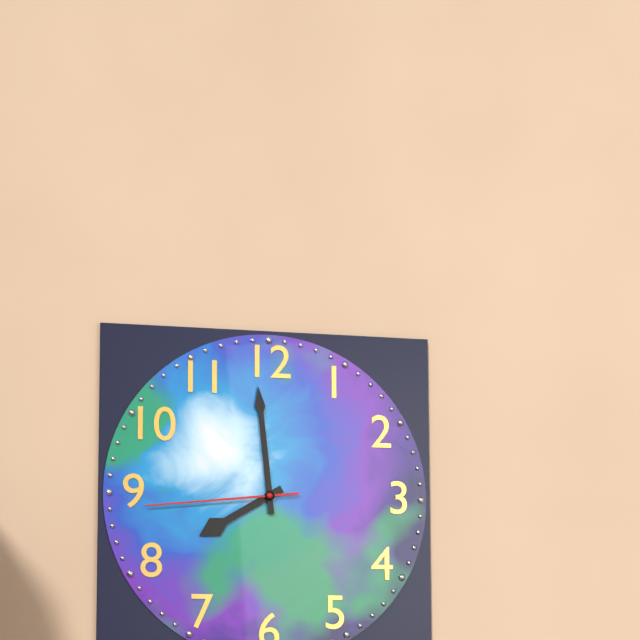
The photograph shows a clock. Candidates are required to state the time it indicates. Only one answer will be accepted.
7:59:44
